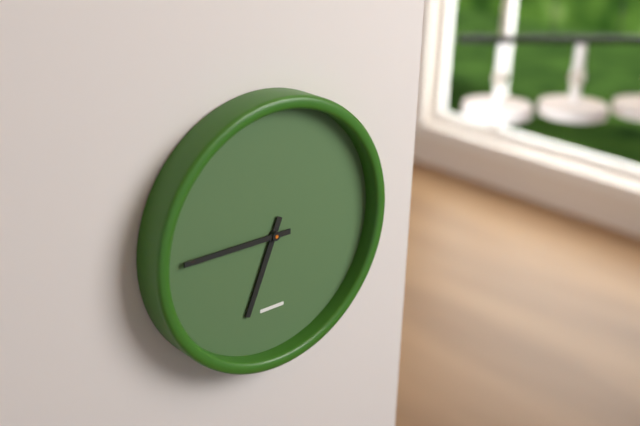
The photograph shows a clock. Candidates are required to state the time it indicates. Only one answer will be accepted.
6:45
